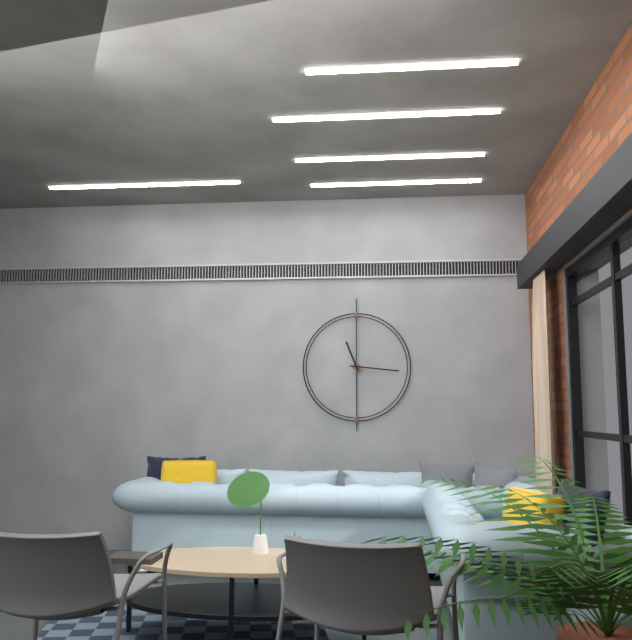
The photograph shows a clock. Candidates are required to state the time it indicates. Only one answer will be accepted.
11:16
